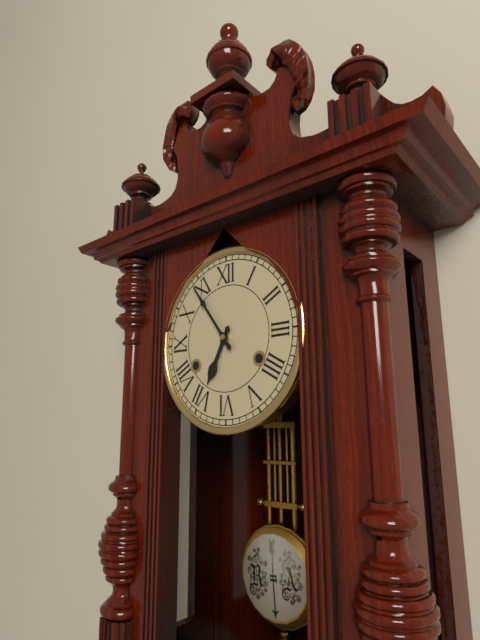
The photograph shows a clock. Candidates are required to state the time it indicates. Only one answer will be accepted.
6:54
